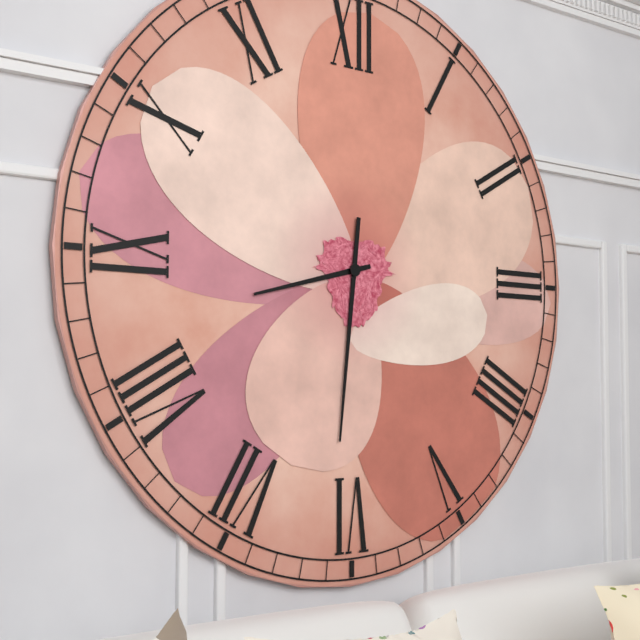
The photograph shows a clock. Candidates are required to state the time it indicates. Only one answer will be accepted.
8:31
